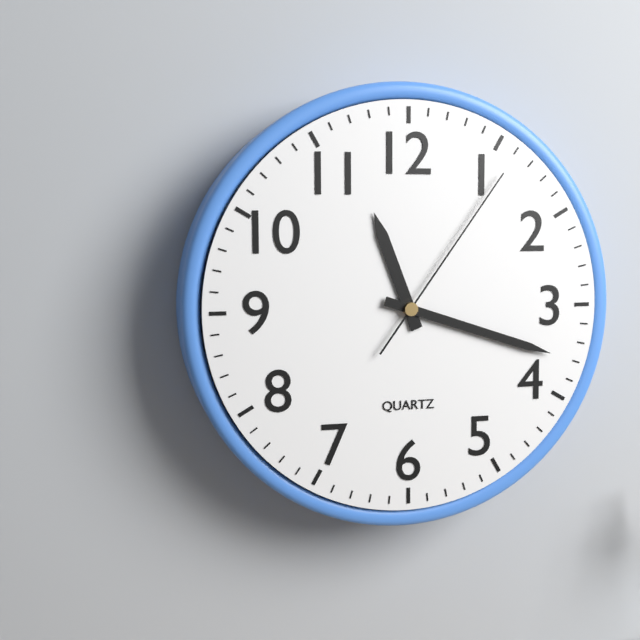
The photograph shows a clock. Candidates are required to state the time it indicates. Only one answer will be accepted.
11:18:06
